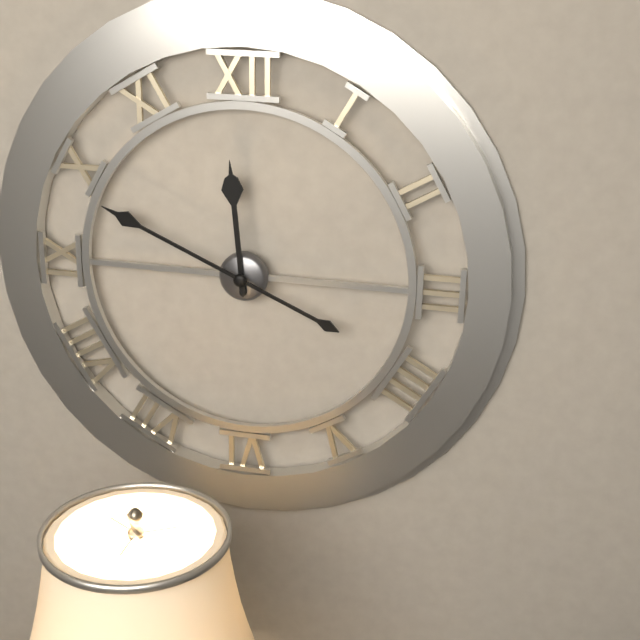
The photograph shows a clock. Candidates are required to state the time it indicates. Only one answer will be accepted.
11:49
